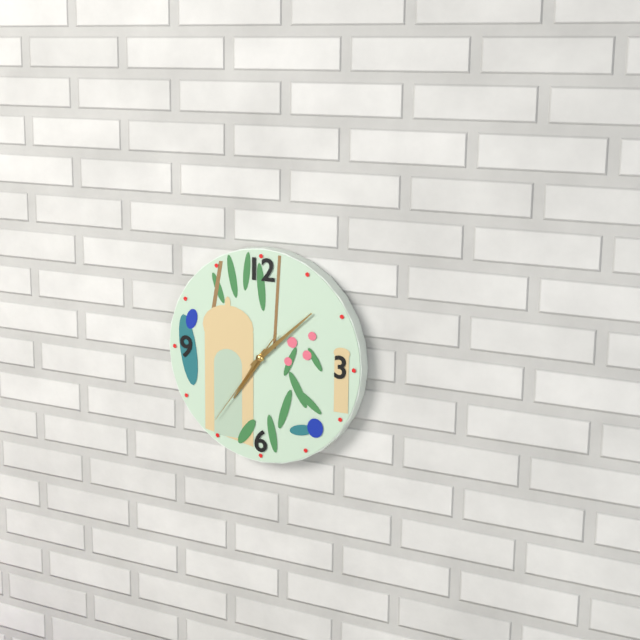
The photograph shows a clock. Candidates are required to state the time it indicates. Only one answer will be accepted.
7:08:36
